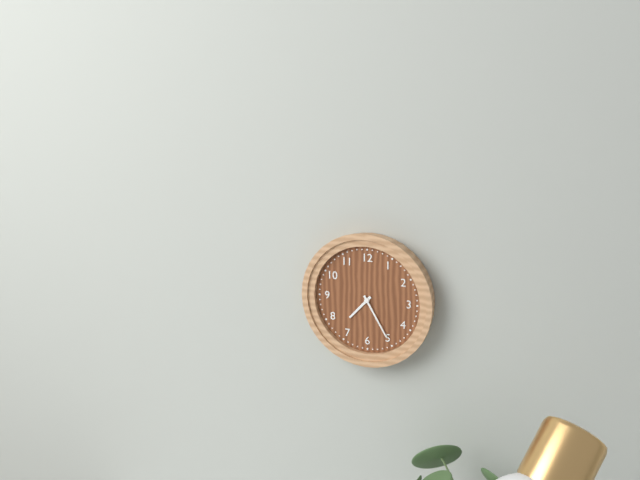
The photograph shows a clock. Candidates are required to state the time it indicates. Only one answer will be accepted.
7:25
